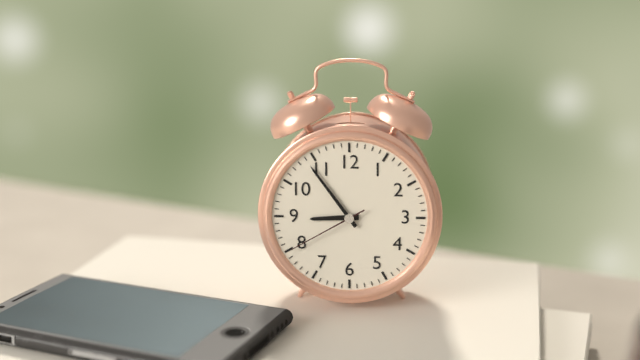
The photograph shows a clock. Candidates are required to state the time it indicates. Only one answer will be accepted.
8:54:40
